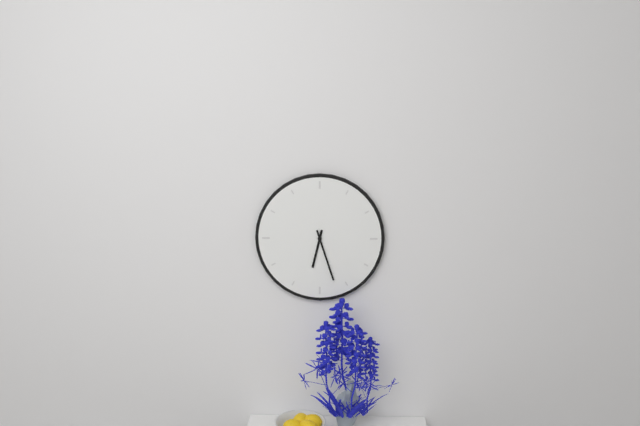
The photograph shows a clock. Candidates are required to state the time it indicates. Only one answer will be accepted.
6:27
